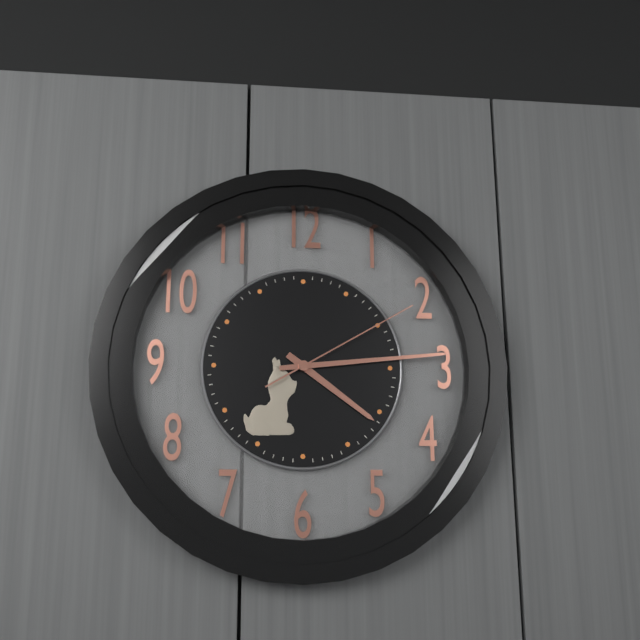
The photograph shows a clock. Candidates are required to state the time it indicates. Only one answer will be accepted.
4:14:10
